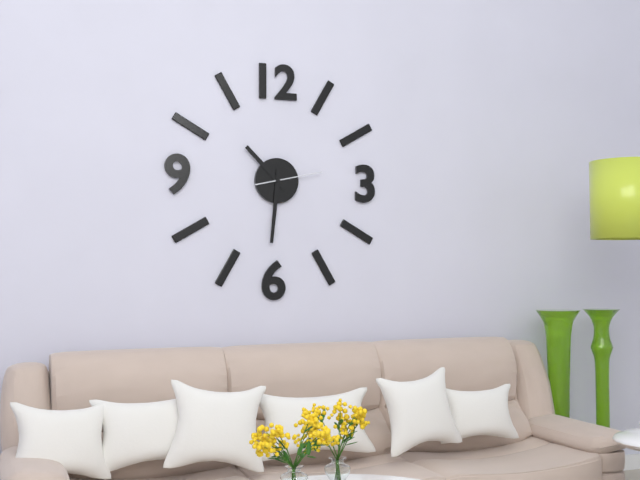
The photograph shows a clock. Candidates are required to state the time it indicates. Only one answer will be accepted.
10:31:13
